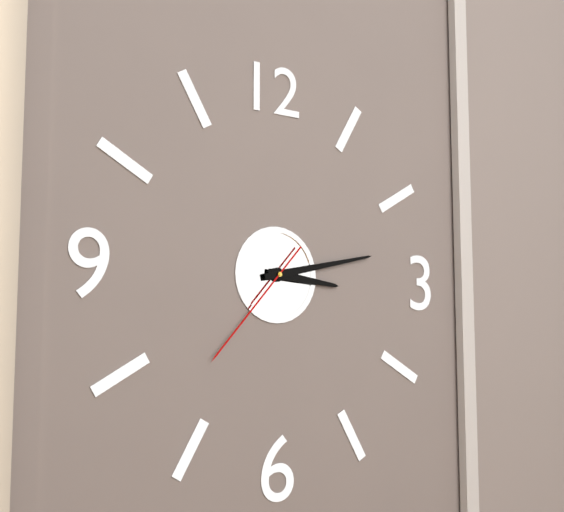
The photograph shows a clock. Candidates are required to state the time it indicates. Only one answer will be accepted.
3:13:37
